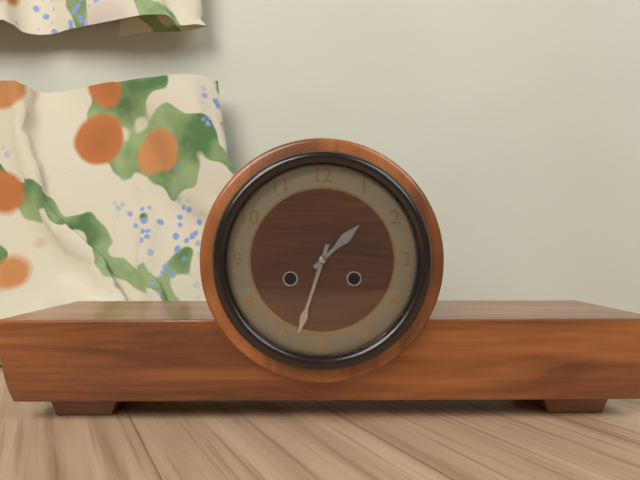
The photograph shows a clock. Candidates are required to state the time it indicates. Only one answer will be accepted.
1:33
